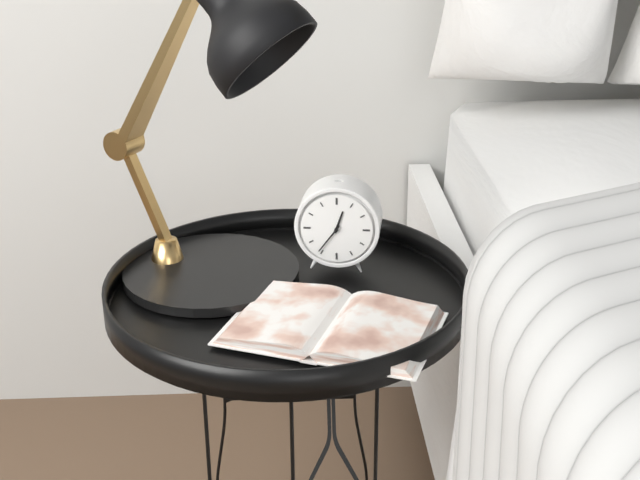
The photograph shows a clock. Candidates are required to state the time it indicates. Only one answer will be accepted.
12:36
